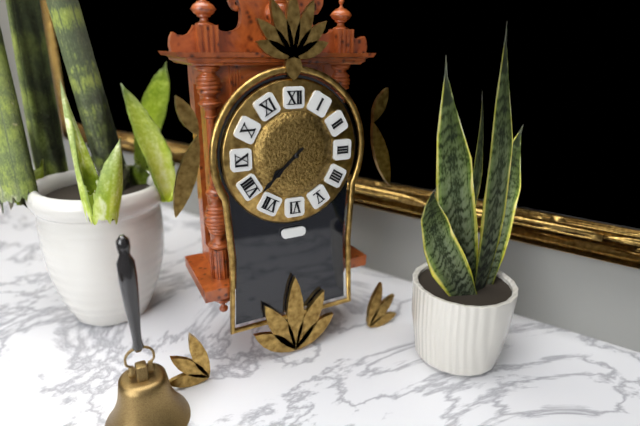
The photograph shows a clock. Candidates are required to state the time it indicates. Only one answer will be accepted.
7:38
